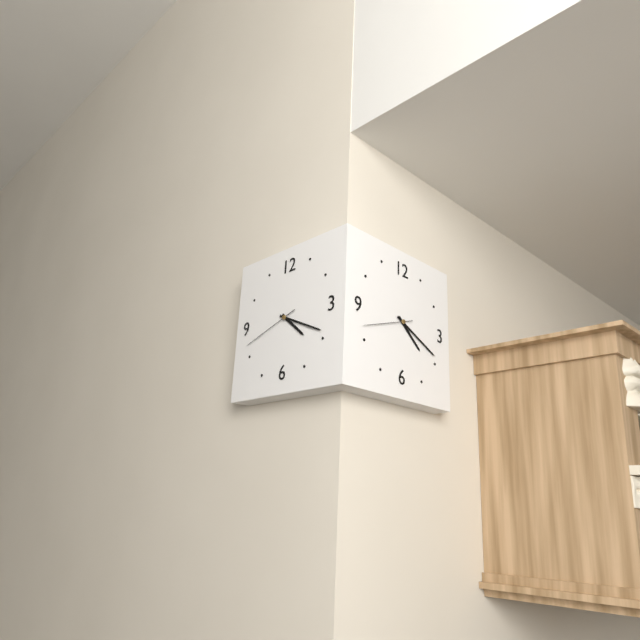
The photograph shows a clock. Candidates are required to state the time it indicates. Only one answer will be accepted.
4:19:42
